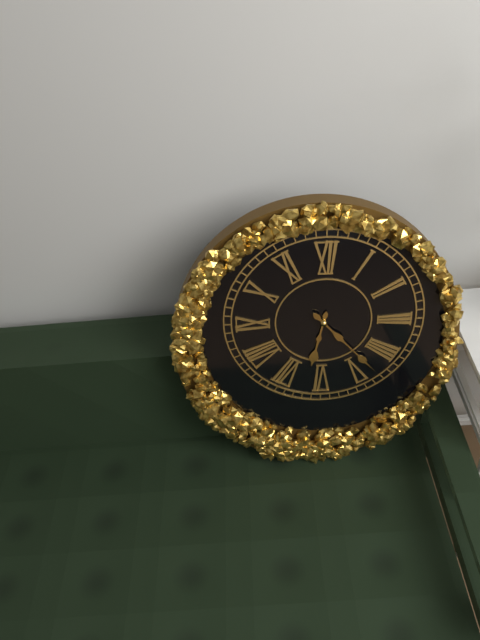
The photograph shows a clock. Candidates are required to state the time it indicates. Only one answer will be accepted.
6:23
